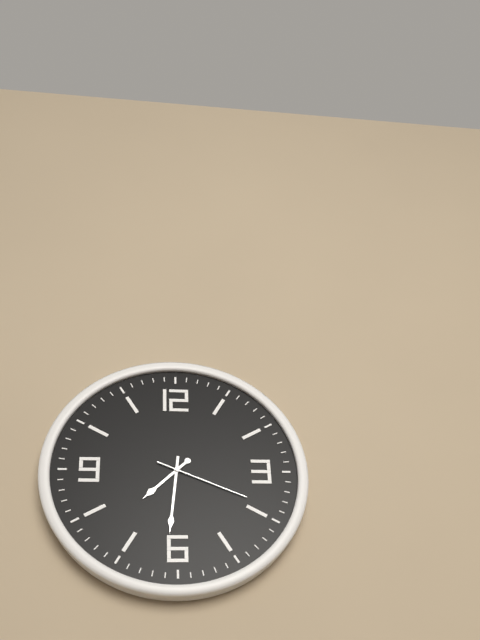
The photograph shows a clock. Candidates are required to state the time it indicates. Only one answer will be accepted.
7:31:19
